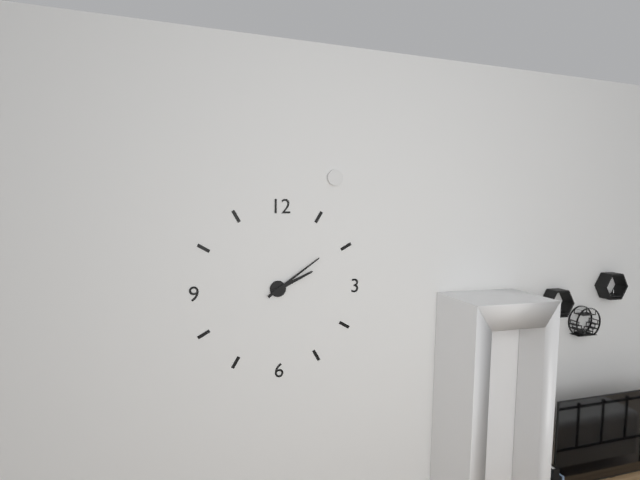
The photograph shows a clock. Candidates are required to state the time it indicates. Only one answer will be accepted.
2:09
